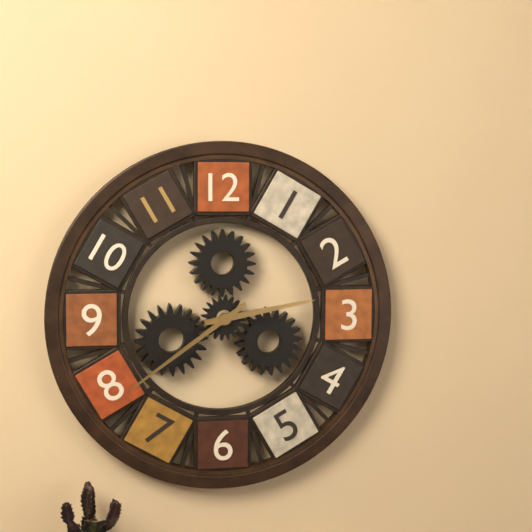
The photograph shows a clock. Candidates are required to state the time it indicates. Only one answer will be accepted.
2:39
